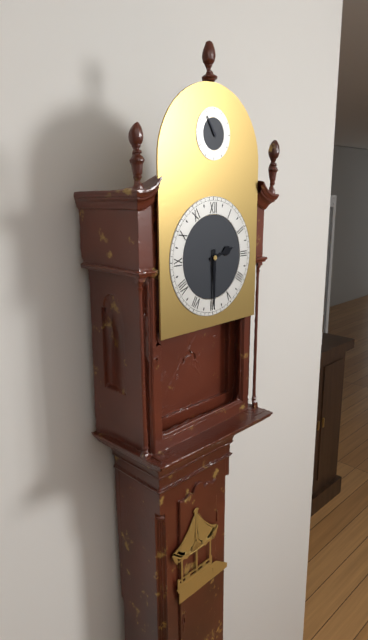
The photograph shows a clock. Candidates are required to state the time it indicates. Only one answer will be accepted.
2:30
